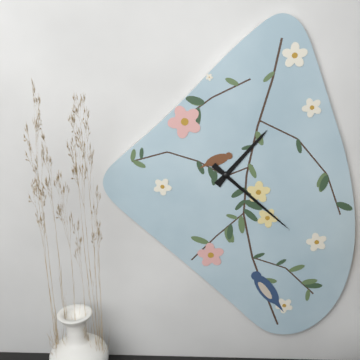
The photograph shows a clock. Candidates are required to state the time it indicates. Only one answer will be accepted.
1:22
